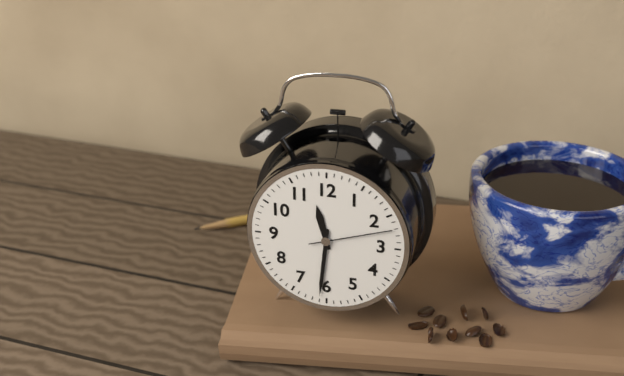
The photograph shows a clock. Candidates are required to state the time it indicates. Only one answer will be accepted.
11:31:12
